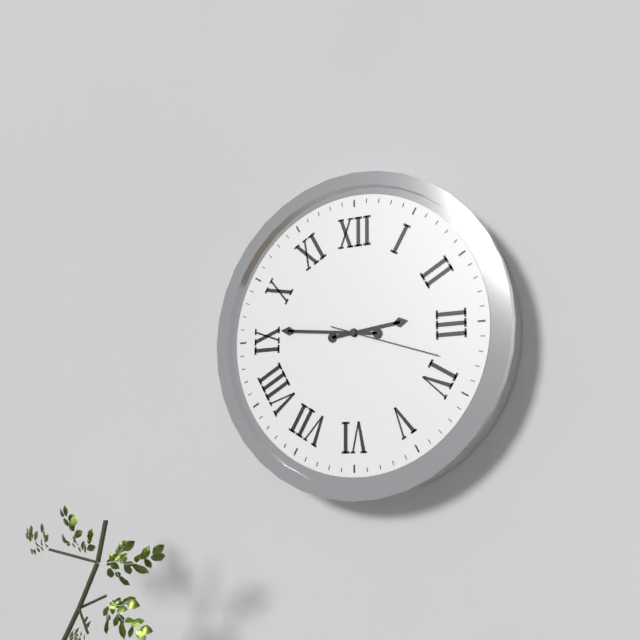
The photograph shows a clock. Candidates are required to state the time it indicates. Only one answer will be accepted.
2:46:18
